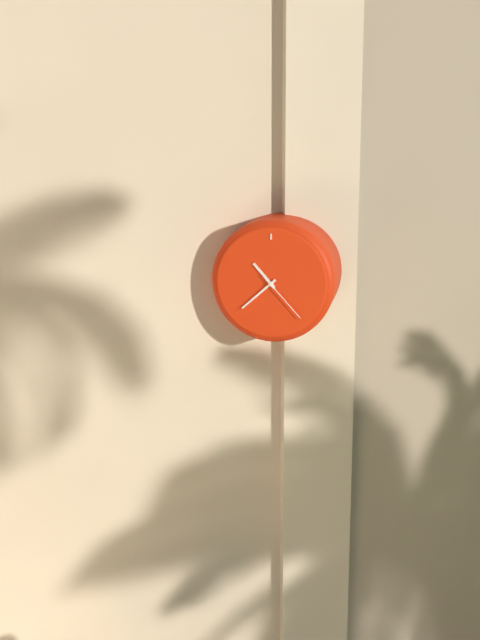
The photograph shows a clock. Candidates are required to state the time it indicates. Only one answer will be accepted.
10:38:23
